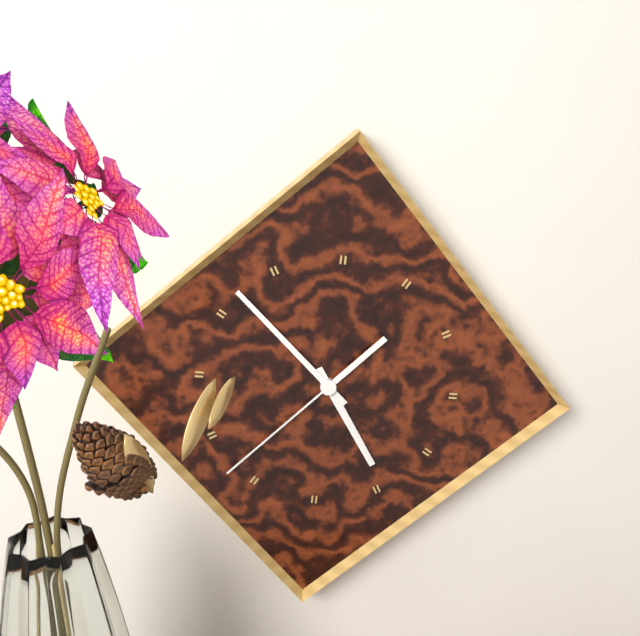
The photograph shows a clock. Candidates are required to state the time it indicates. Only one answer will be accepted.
4:52:37
